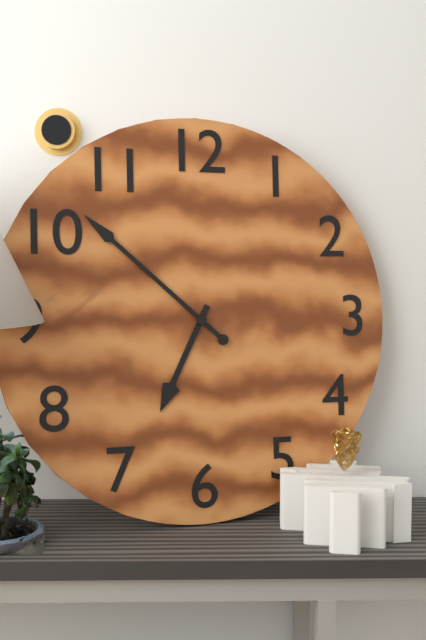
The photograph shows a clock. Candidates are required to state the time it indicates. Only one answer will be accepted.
6:52
